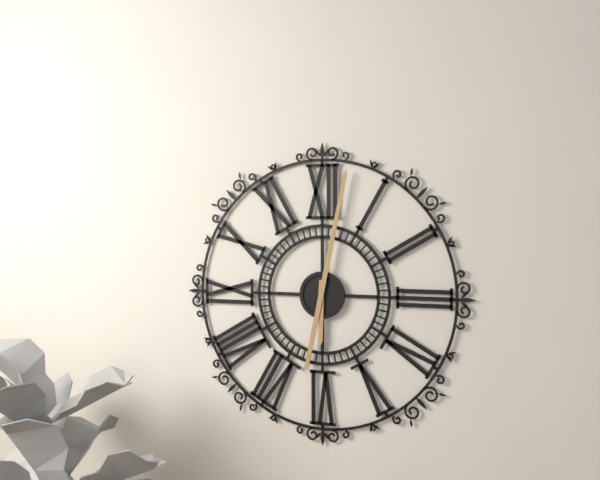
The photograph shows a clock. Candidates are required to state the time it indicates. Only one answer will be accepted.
6:02
